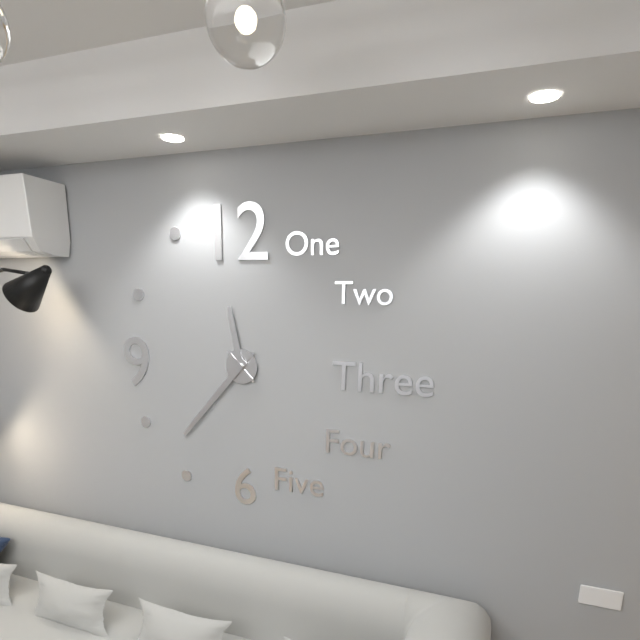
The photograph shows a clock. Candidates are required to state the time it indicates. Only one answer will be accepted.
11:37
